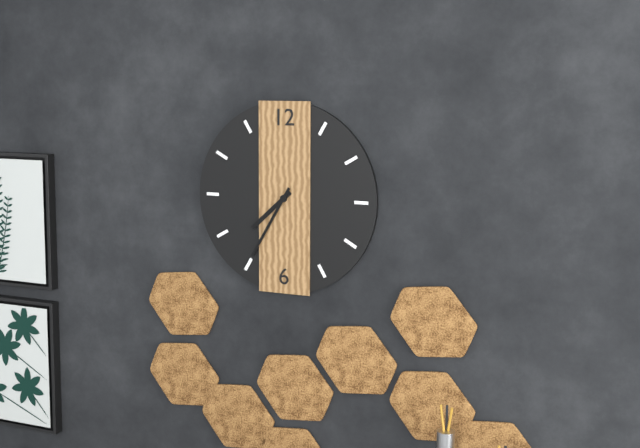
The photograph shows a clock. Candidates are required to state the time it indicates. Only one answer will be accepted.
7:35
